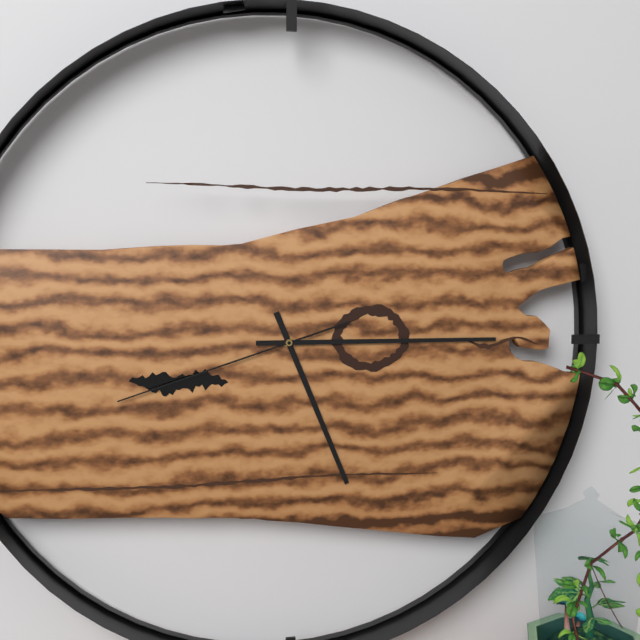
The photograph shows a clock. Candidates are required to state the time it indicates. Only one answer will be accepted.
5:15:42
